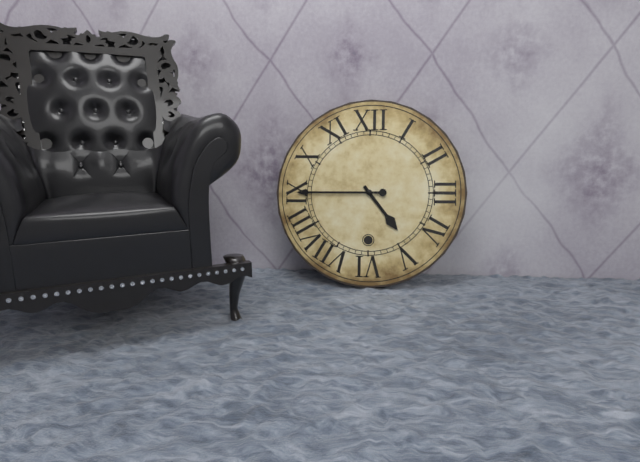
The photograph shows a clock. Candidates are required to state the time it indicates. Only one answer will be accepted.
4:45
